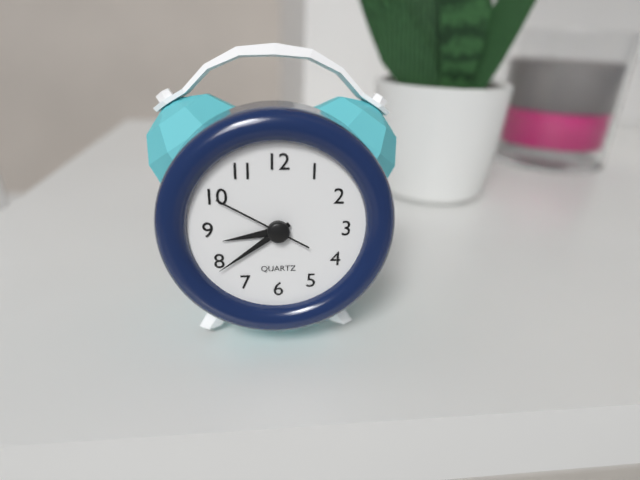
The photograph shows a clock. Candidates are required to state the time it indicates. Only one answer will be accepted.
8:39:50
